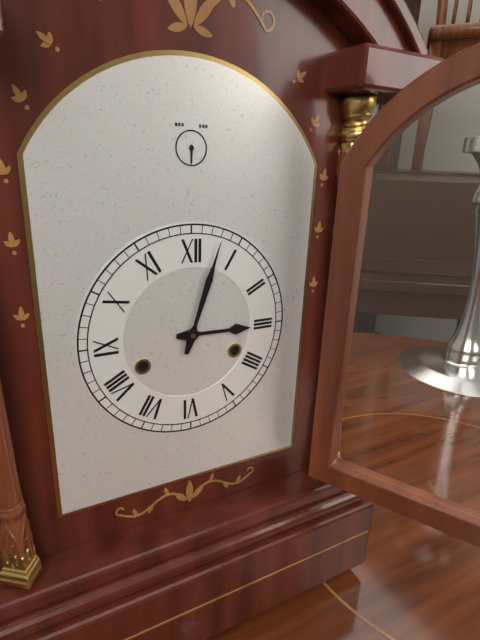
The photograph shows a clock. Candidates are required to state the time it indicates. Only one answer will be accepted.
3:03
